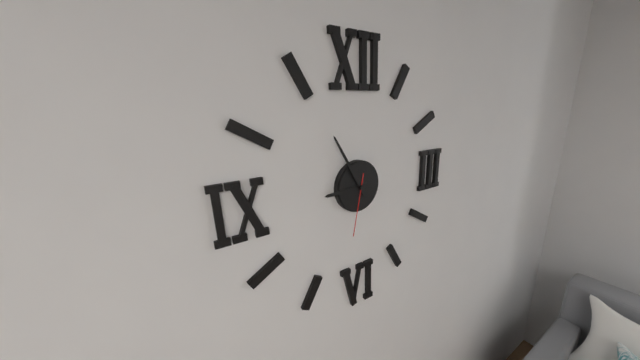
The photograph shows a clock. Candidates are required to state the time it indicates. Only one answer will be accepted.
8:55:32
